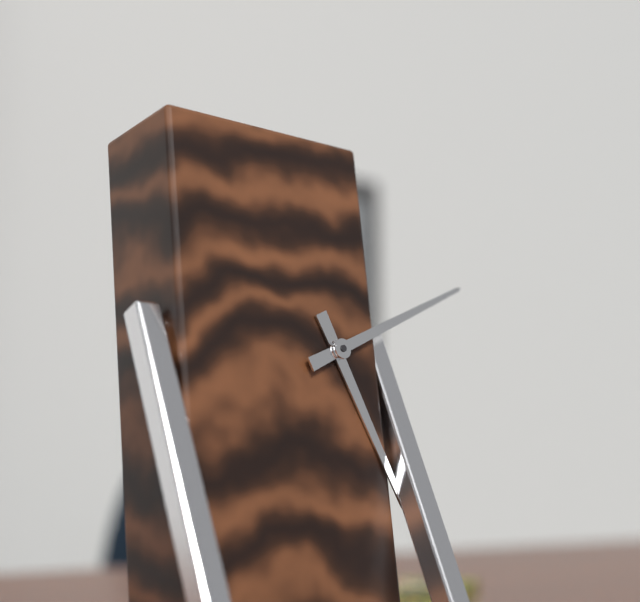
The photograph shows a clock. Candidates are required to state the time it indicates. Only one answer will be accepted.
5:11
